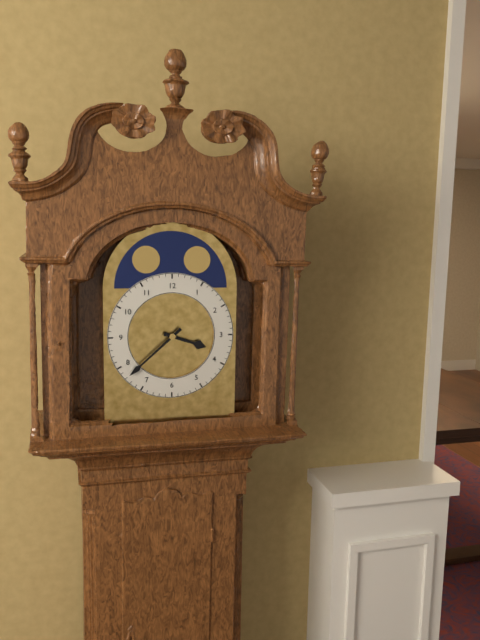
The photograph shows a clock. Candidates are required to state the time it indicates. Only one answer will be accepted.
3:38
